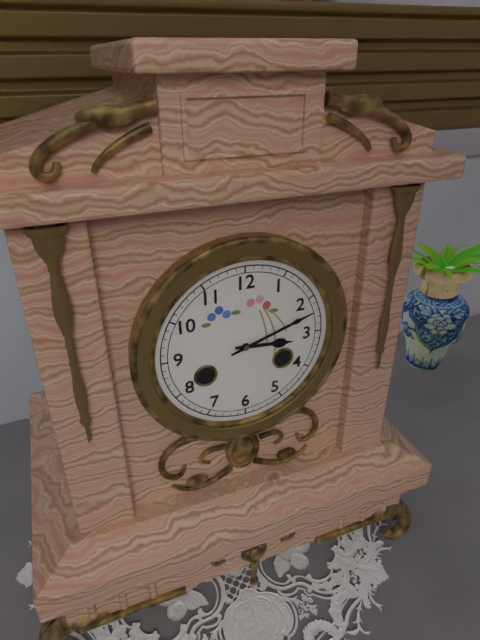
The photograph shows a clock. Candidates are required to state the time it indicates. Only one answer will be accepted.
3:12
